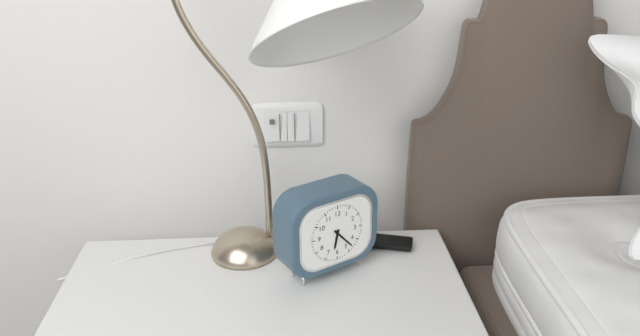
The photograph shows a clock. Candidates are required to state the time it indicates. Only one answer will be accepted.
6:23
